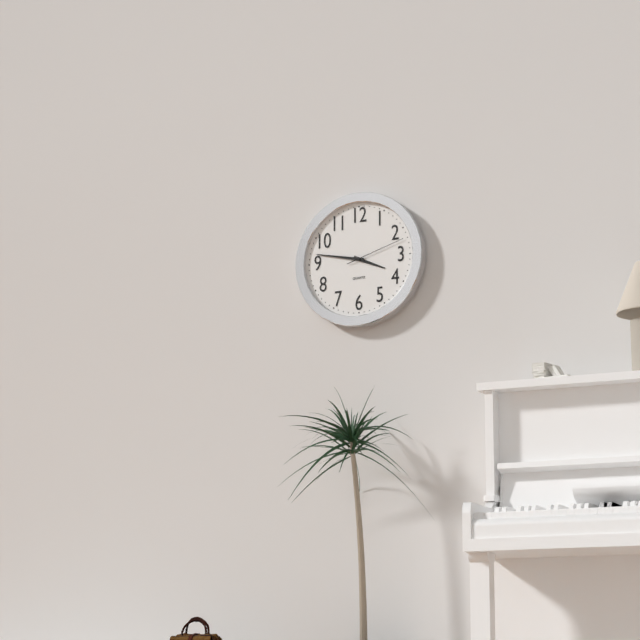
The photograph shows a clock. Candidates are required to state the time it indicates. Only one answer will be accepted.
3:47:12
